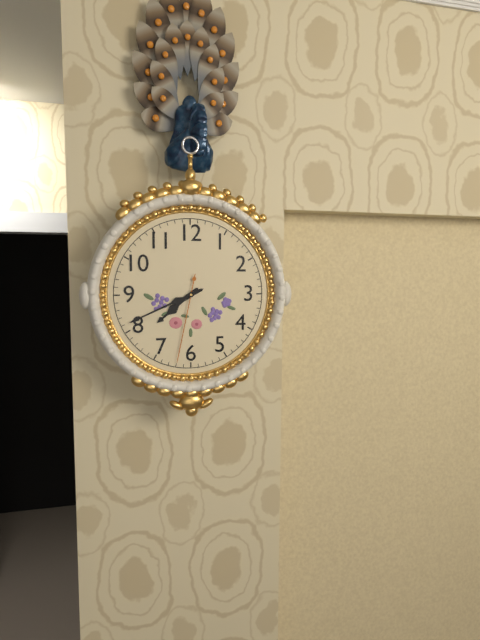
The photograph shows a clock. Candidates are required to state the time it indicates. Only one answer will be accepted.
7:41:32
